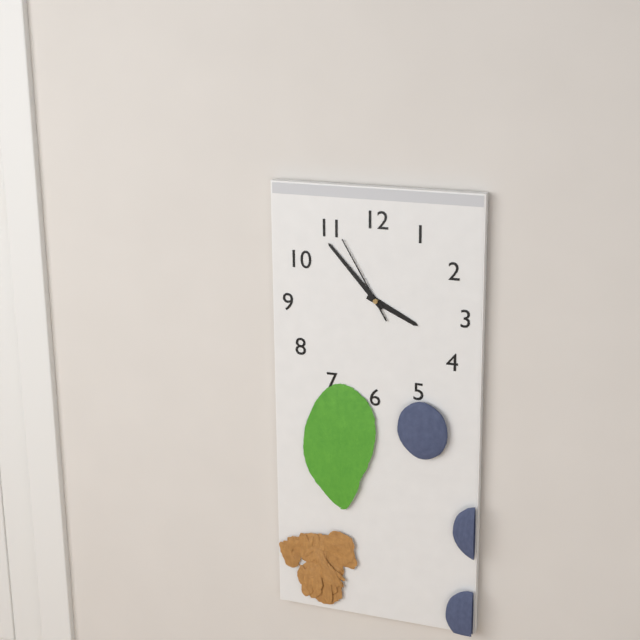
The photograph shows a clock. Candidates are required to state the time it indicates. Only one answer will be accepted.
3:53:55
